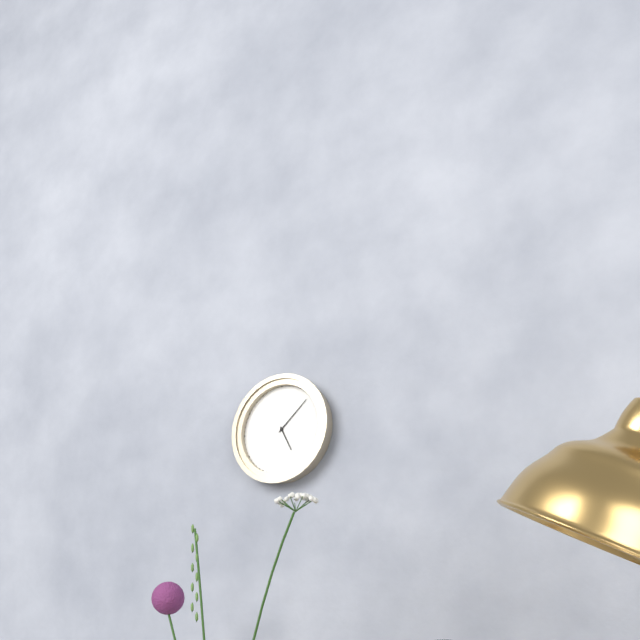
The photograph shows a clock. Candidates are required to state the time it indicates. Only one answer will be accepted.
5:08
